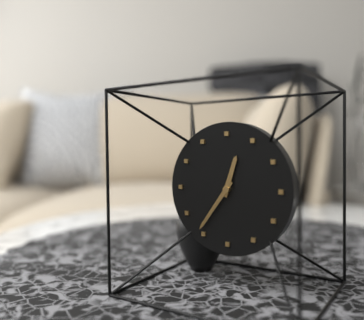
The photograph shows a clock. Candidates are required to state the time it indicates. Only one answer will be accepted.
12:36
